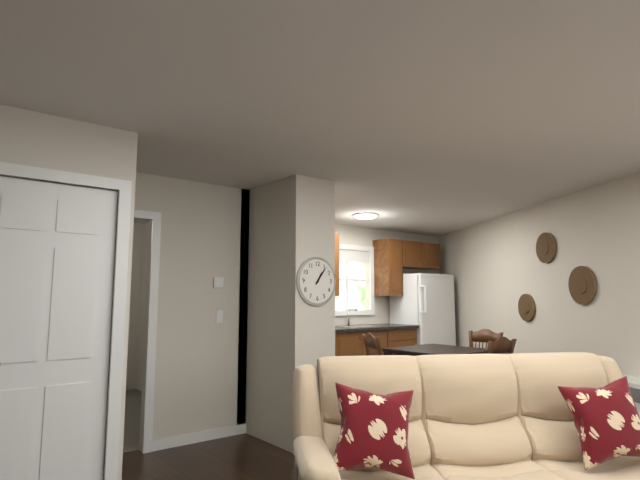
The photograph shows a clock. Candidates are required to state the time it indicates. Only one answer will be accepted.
1:06
